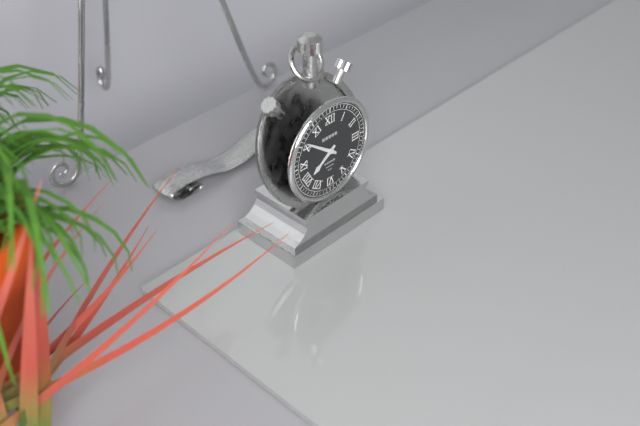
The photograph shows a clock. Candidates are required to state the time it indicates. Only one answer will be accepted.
7:51
